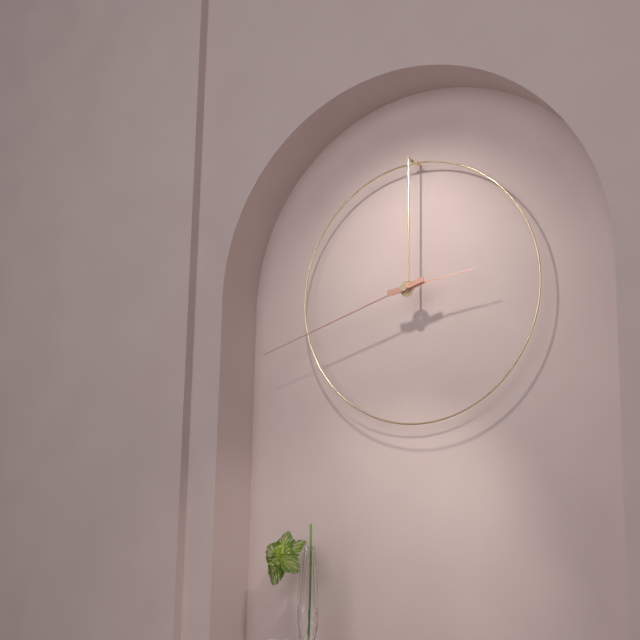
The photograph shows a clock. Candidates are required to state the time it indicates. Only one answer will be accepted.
2:42
